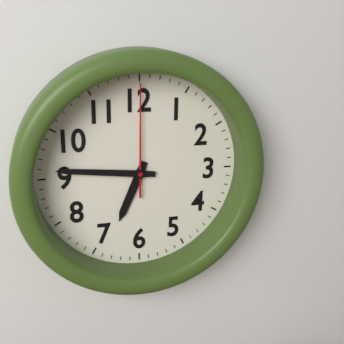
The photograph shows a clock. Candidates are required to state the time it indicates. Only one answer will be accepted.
6:46:00
